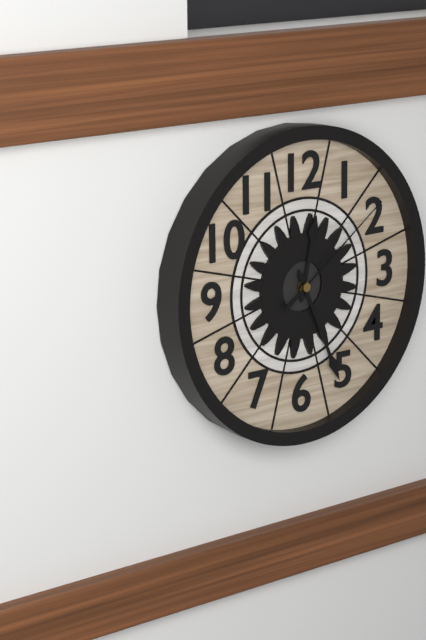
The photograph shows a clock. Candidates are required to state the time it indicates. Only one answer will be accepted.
12:26:09
